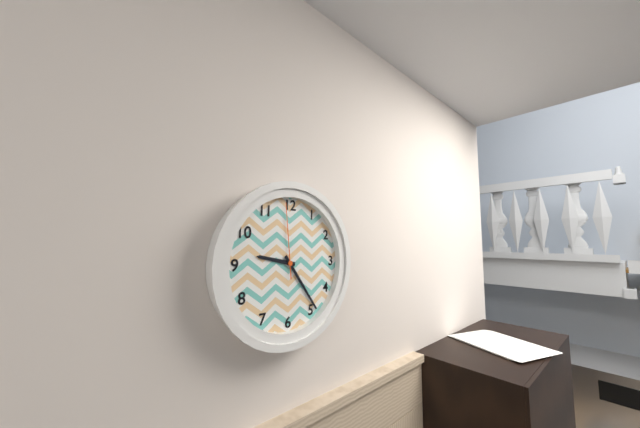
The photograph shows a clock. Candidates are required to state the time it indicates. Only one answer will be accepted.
9:24:59
